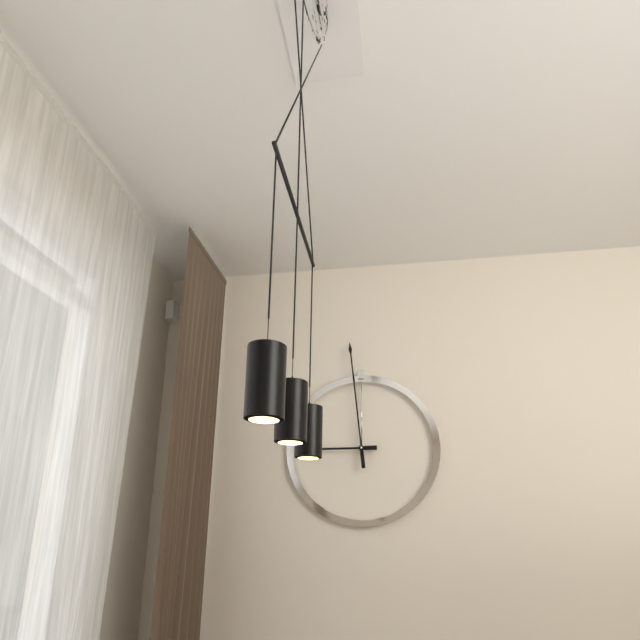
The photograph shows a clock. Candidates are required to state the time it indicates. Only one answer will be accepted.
8:59
